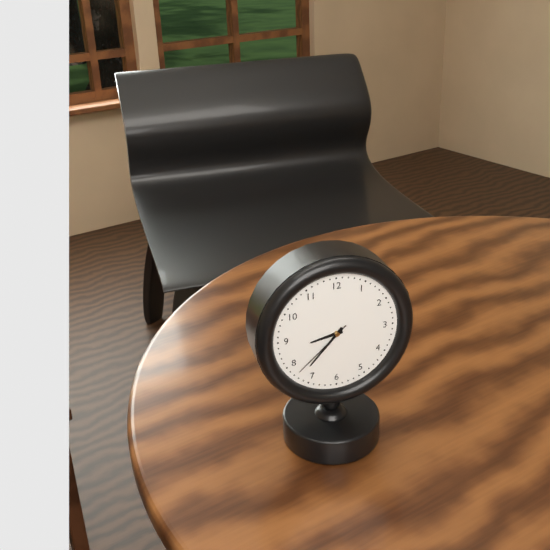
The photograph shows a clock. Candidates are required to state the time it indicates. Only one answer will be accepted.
8:37:38
